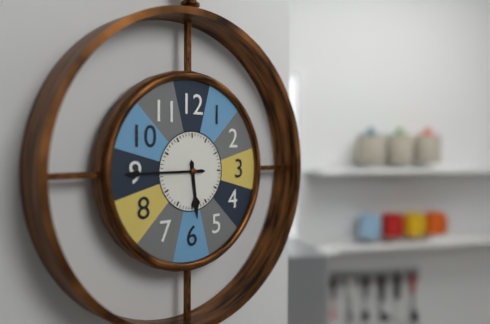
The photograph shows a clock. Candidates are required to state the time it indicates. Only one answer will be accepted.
5:45
